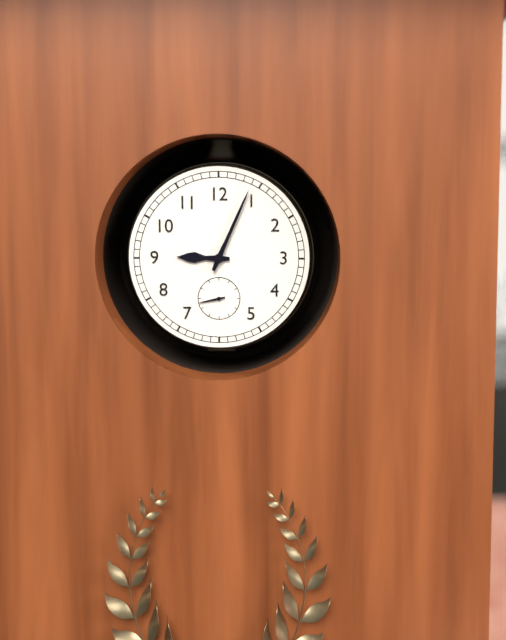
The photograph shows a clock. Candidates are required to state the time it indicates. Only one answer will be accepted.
9:04
